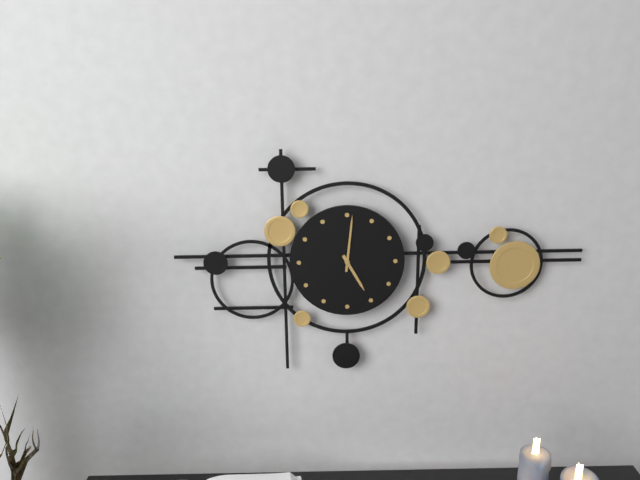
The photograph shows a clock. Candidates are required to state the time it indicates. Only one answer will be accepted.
5:01
